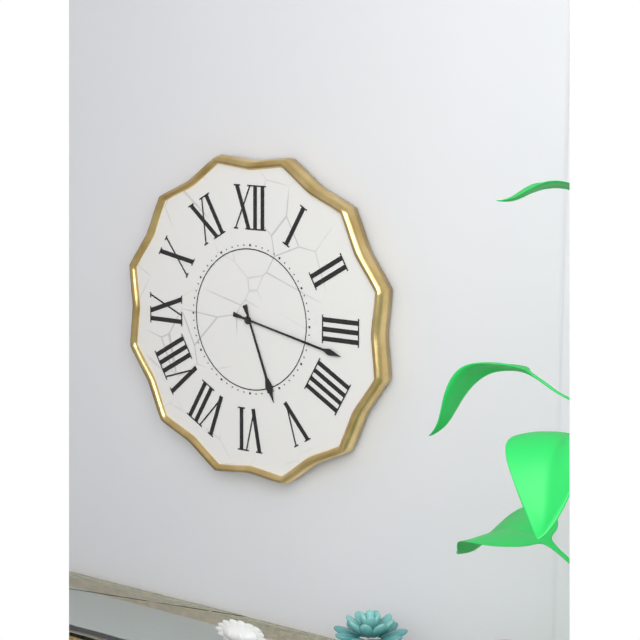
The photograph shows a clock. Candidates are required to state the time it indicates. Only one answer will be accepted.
5:17
